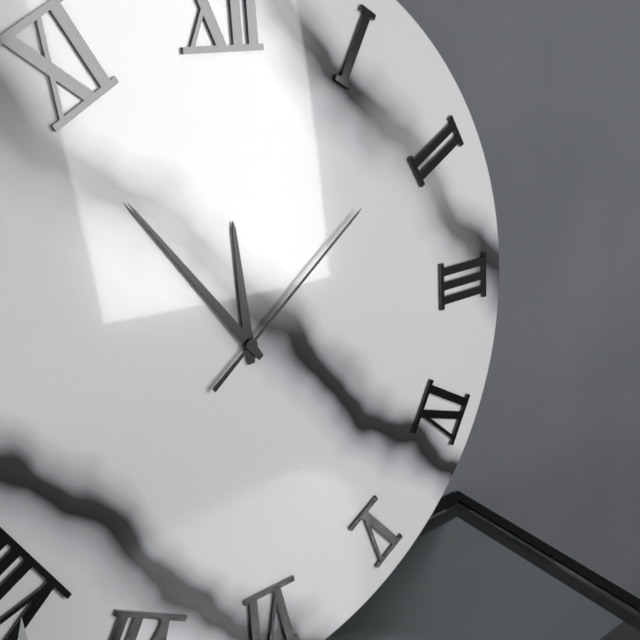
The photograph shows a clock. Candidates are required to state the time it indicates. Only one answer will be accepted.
11:54:09
